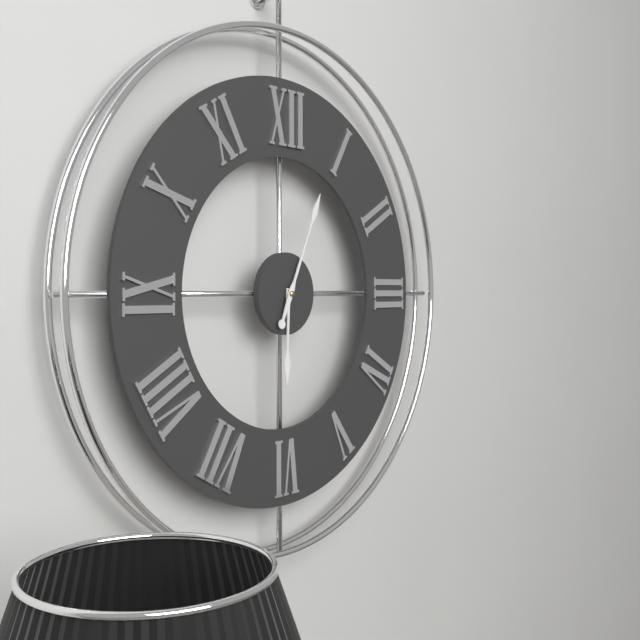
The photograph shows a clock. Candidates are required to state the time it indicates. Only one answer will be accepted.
6:04
